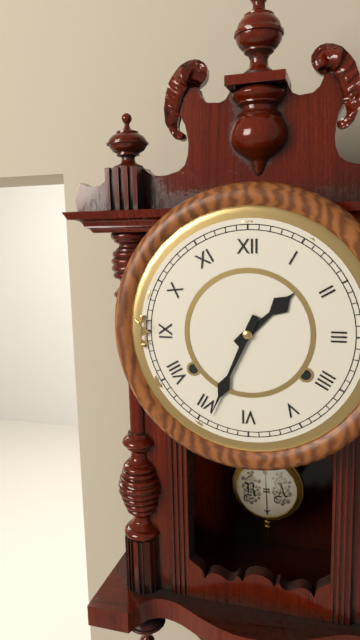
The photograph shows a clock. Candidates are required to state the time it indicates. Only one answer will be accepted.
1:34
